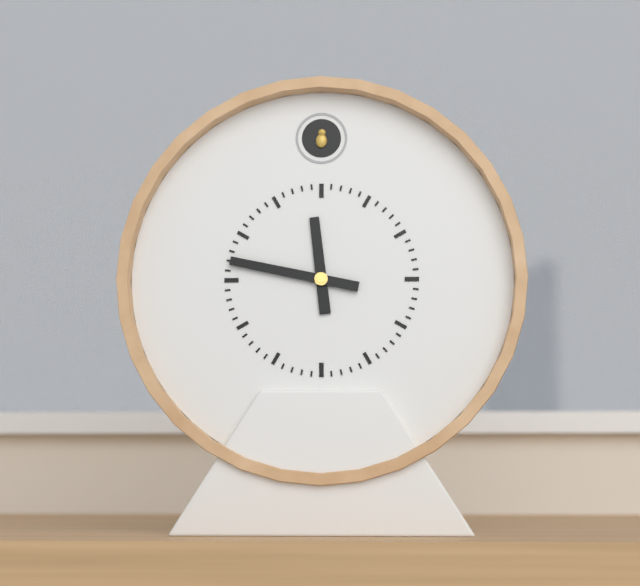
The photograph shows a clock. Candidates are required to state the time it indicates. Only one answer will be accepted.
11:47
